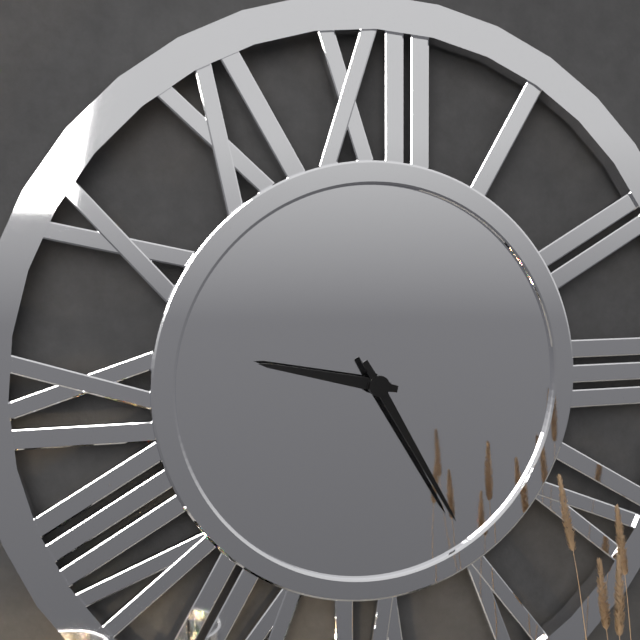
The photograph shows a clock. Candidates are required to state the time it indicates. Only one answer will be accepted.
9:25
